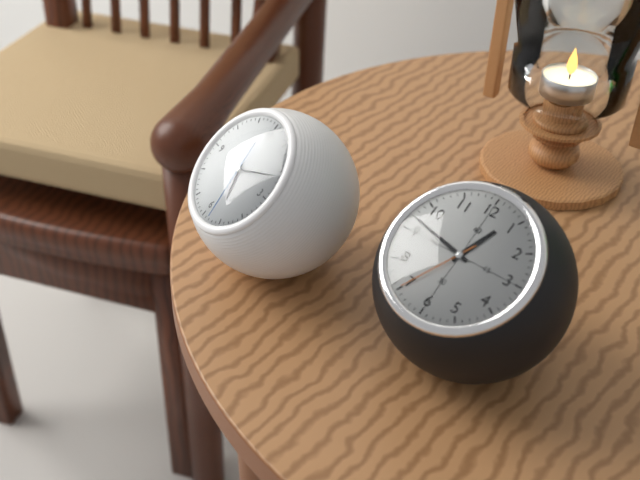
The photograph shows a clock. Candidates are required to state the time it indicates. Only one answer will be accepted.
5:11:28
